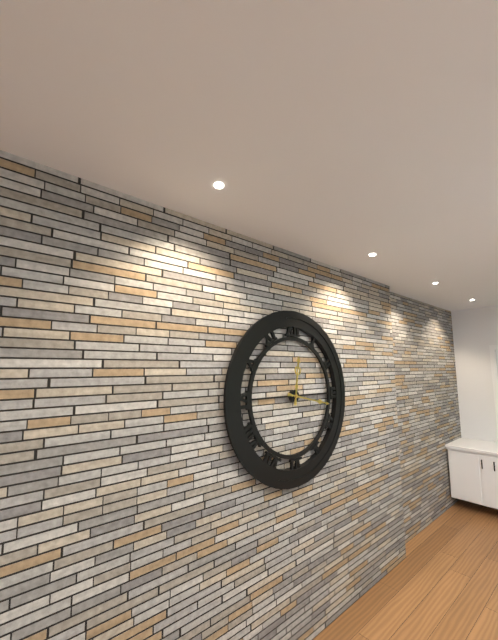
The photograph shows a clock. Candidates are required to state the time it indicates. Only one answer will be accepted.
12:17
